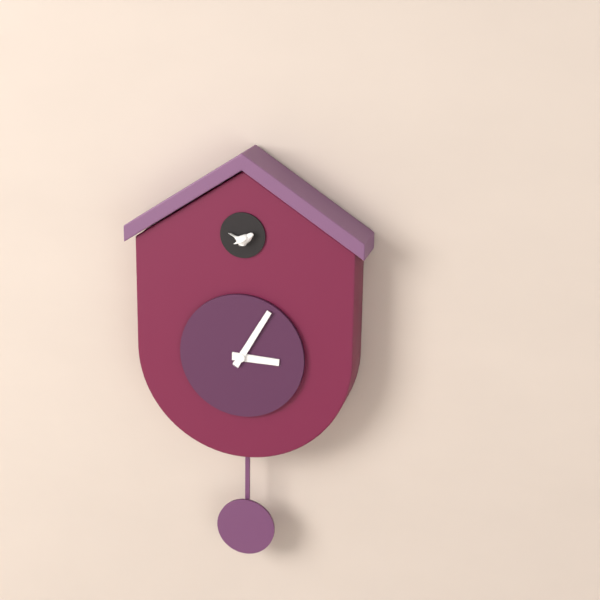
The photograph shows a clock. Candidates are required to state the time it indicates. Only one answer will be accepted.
3:05
